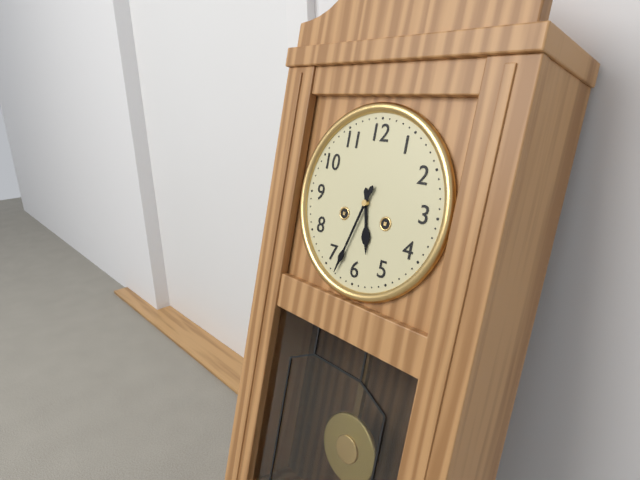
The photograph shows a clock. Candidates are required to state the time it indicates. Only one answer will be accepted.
5:33
